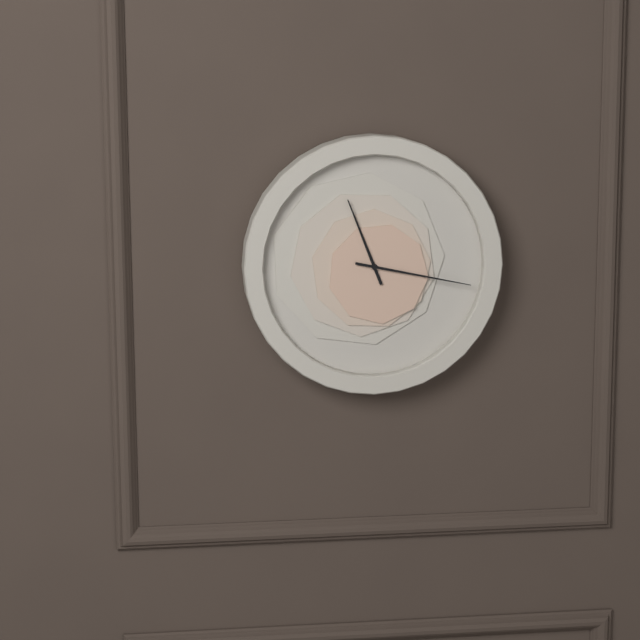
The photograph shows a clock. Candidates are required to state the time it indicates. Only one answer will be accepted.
11:17
